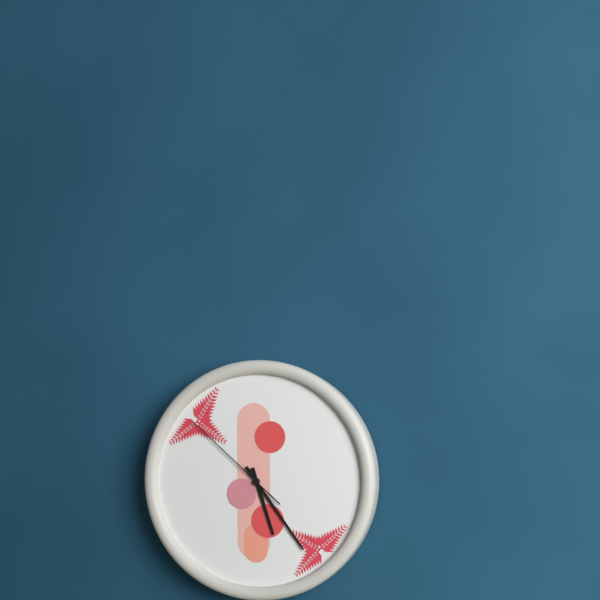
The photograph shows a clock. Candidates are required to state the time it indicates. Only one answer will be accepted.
5:24:52
